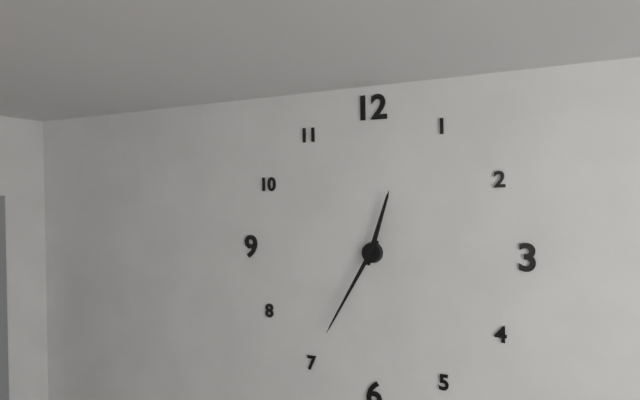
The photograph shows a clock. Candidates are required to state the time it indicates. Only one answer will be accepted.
12:35
